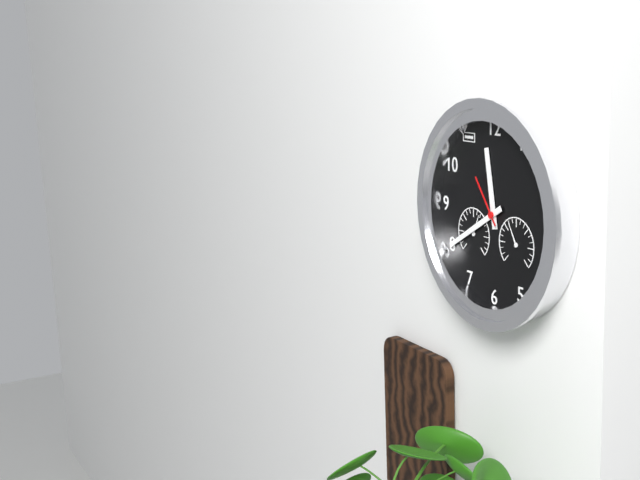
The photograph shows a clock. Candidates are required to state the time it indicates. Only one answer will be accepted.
11:40:54
